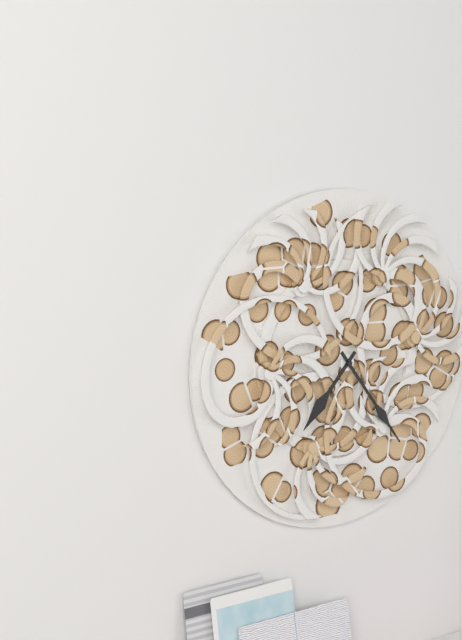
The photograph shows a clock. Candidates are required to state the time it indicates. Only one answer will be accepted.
7:24
